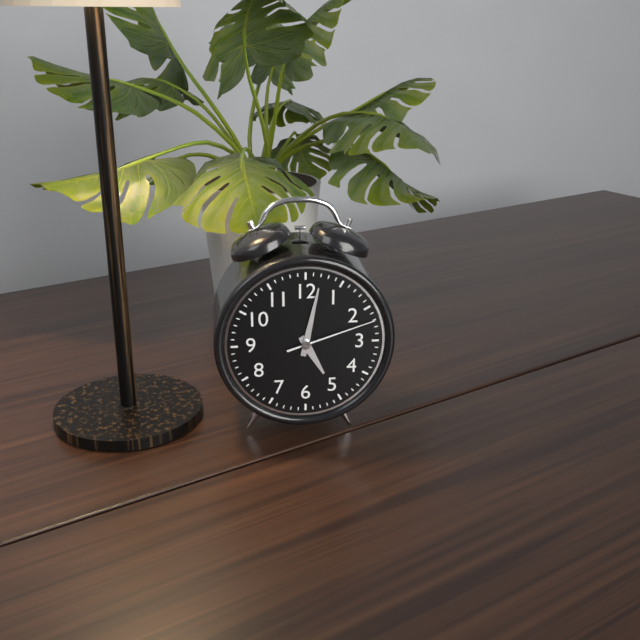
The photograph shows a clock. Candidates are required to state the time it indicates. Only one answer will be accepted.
5:02:12
